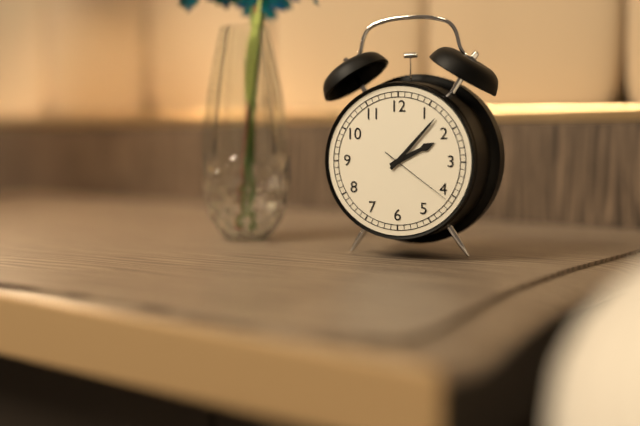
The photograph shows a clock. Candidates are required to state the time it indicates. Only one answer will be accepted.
2:07:21
